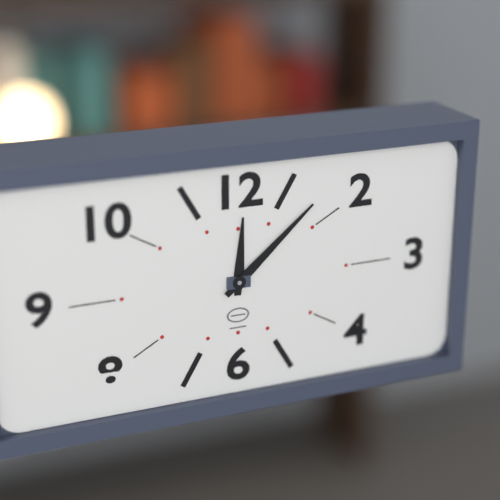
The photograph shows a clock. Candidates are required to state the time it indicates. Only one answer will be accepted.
12:08
